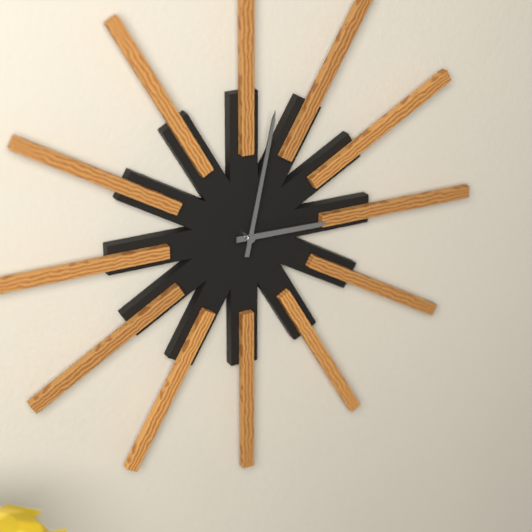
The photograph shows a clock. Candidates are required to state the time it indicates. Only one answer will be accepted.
3:02
